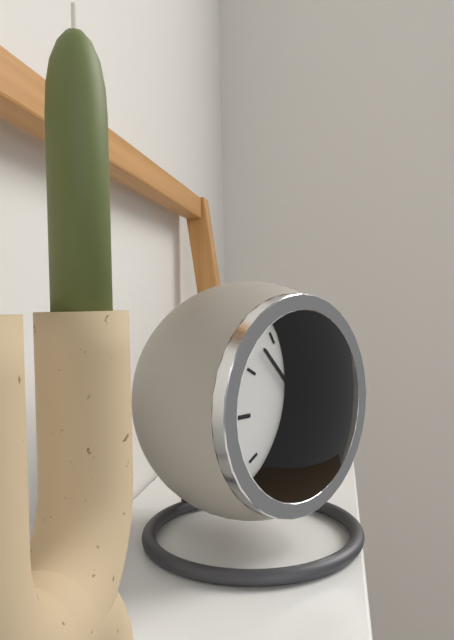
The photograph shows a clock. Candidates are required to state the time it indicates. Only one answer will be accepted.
12:53:04
